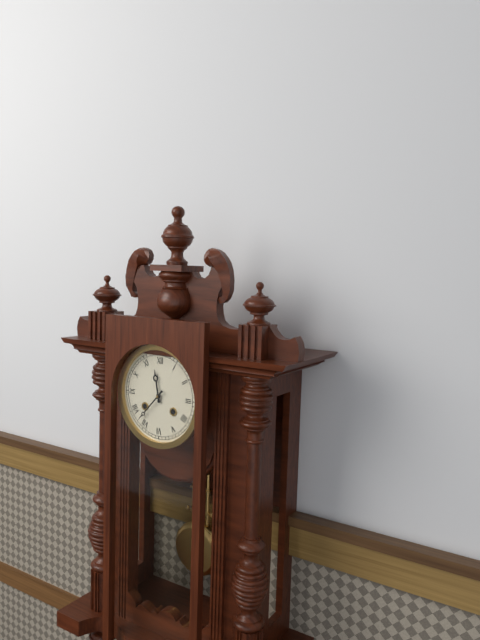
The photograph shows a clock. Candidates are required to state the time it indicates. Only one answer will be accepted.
11:37
